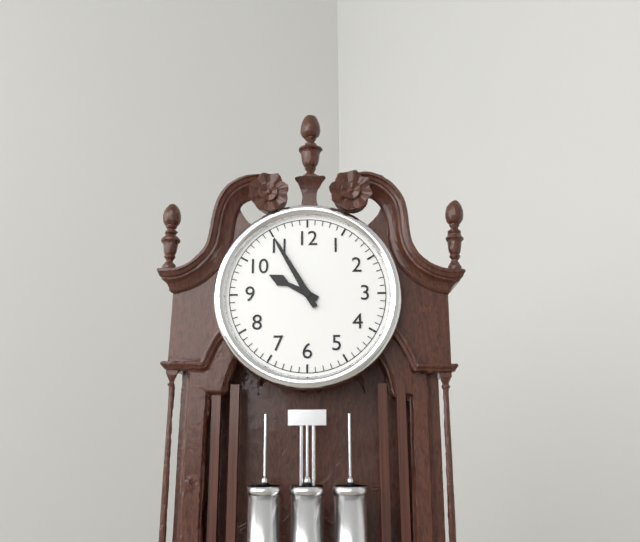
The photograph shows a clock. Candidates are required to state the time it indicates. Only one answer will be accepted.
9:55
